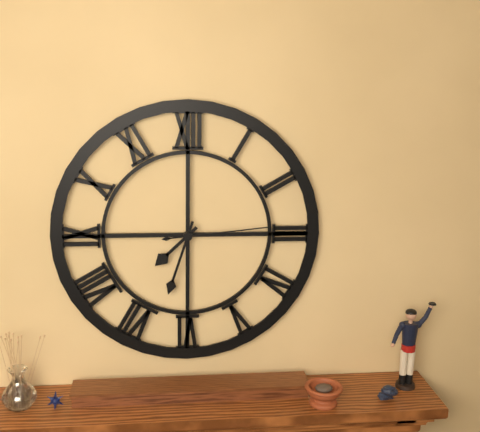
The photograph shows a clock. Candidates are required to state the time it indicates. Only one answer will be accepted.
7:33:14
